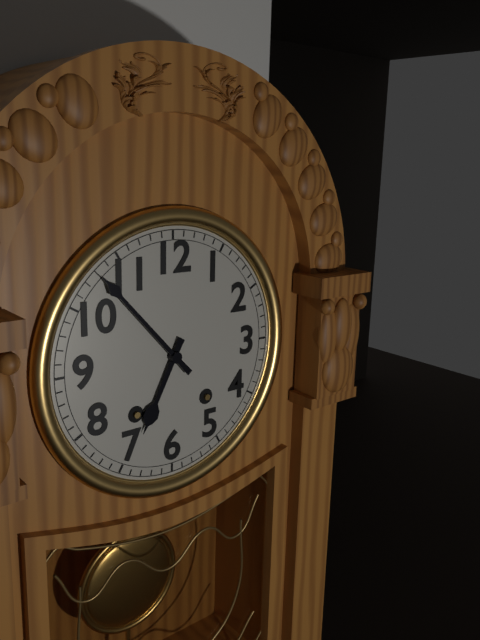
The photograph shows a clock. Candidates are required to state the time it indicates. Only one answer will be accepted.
6:53
